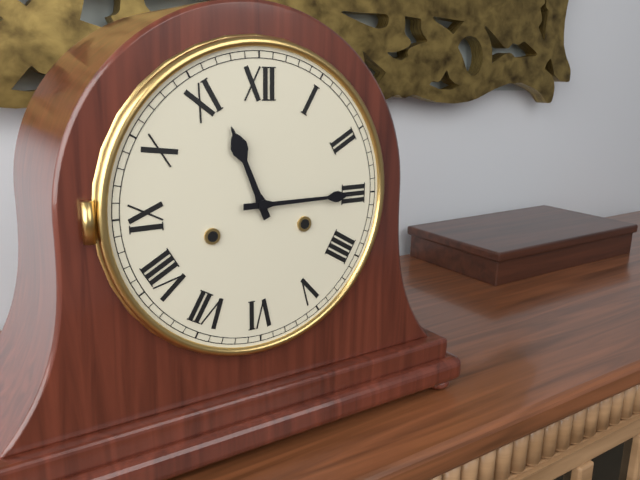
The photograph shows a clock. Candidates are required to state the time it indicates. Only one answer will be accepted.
11:15
